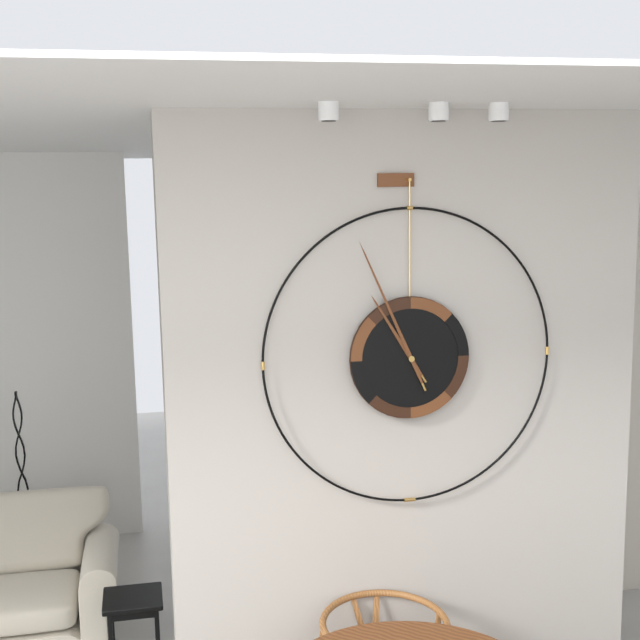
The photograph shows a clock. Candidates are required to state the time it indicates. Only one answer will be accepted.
10:56
